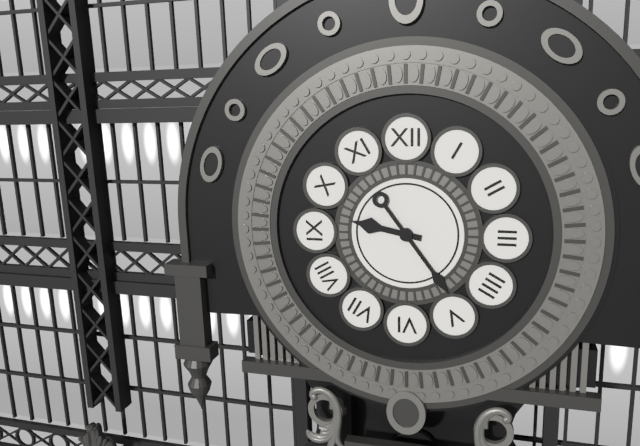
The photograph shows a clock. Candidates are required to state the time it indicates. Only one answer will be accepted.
9:24
